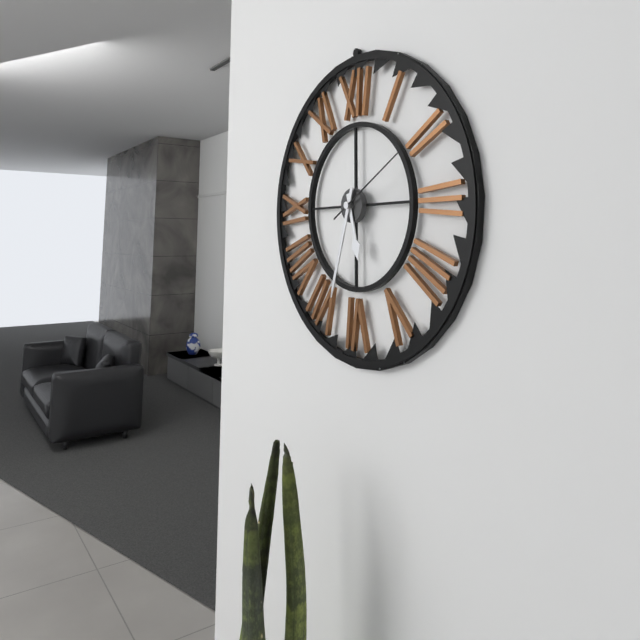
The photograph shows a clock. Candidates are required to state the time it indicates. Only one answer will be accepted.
5:33:10
